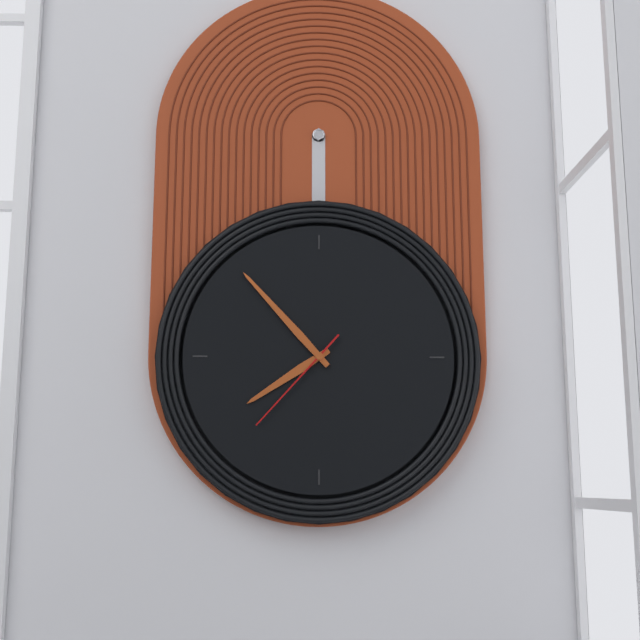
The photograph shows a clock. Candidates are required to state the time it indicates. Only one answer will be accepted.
7:53:37
